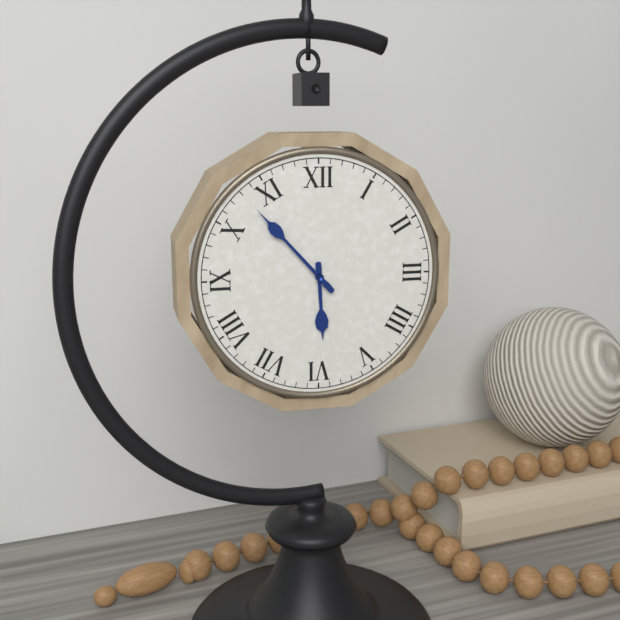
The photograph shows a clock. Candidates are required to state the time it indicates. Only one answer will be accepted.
5:53
